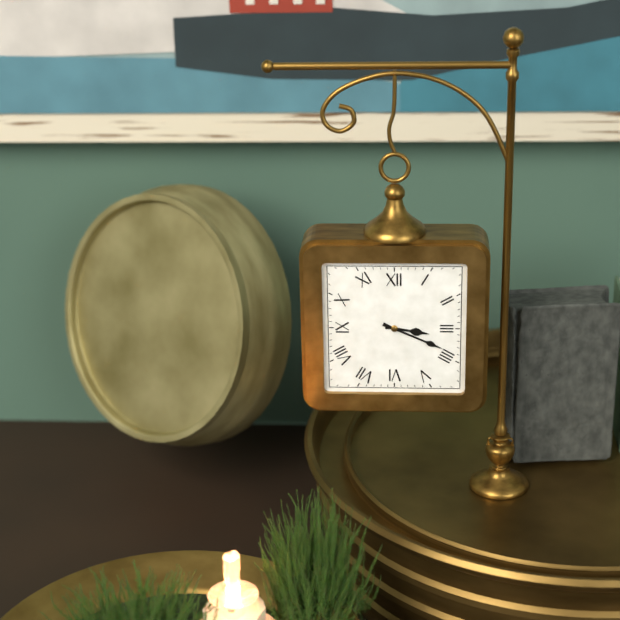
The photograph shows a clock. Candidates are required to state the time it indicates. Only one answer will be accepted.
3:19
